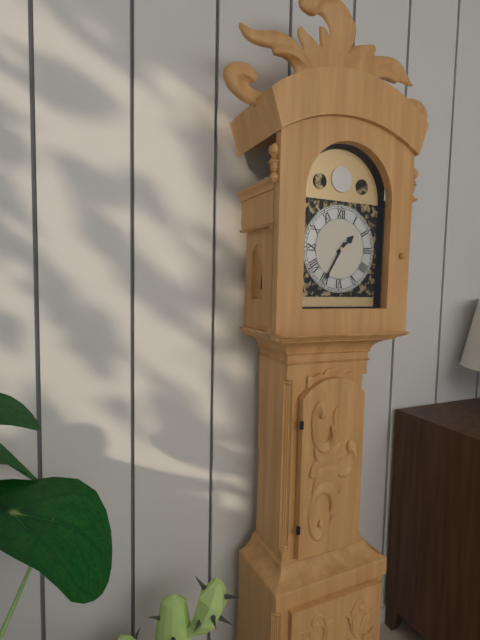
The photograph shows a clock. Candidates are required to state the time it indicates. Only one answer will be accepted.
1:35
